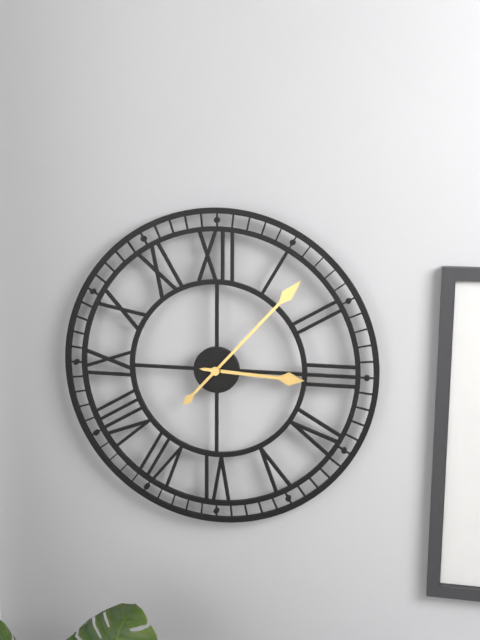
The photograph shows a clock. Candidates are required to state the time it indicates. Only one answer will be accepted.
3:07
